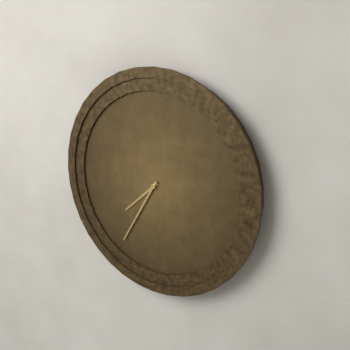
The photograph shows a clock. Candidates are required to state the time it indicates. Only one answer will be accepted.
7:35
